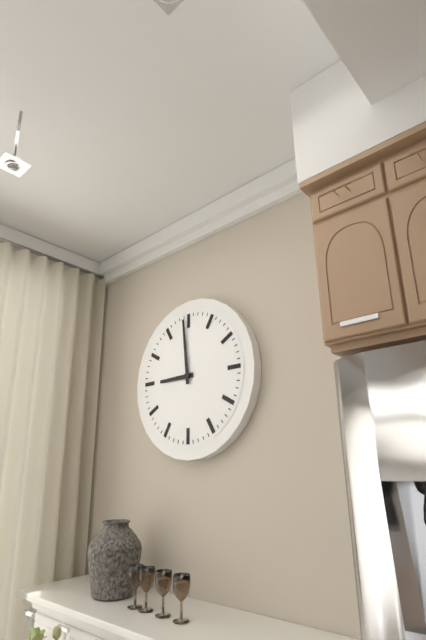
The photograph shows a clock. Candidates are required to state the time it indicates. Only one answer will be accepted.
8:59
